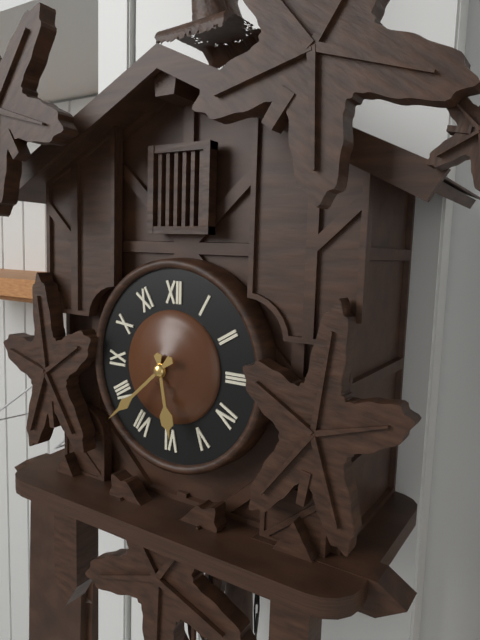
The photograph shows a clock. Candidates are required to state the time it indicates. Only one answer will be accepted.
5:38
